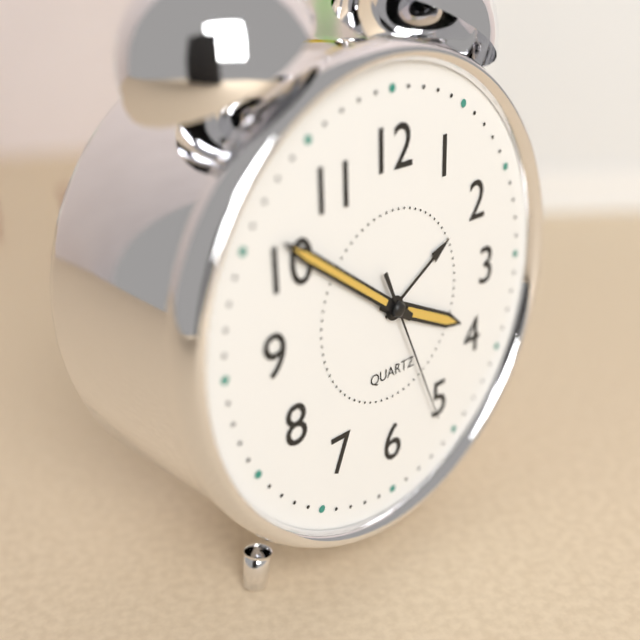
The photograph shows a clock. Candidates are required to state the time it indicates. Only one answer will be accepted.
3:51:26
